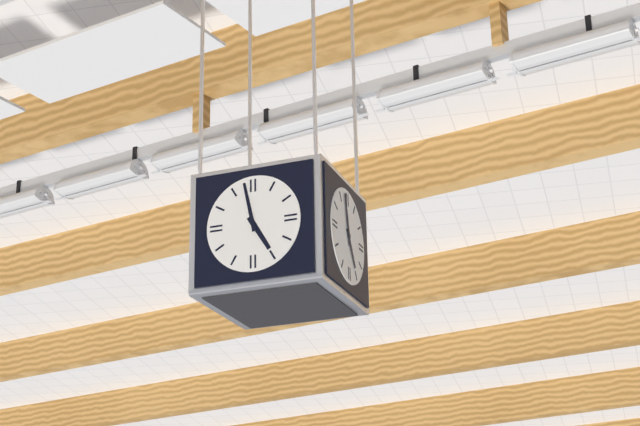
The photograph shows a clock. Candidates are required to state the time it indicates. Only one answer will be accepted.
4:58
